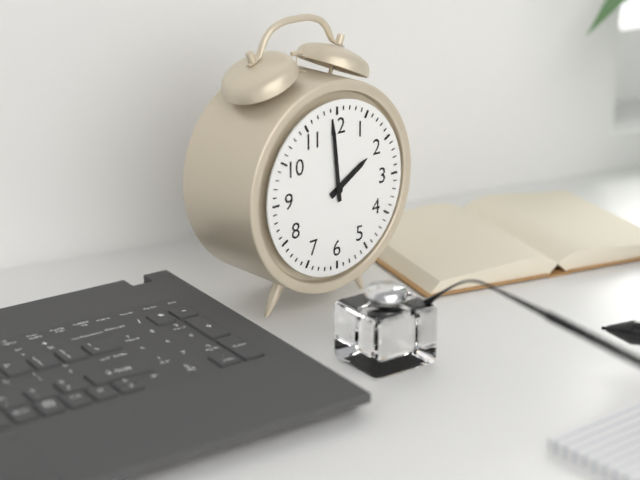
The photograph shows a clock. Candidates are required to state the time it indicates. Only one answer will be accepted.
1:59
